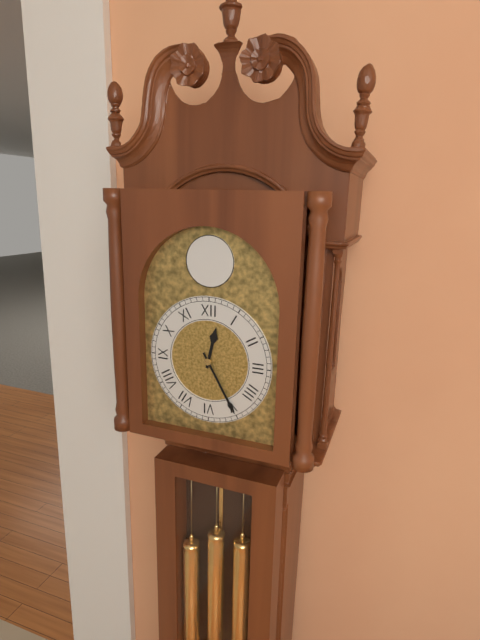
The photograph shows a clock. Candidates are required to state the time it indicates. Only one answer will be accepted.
12:25
